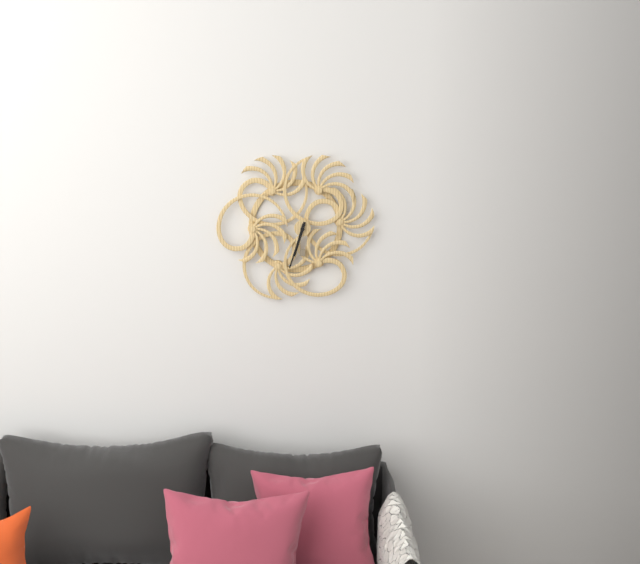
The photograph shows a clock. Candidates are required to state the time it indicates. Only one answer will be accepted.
6:33
